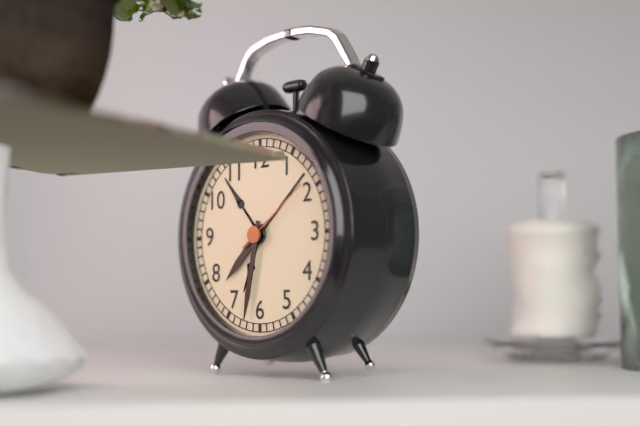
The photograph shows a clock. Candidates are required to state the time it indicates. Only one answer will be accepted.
7:32:09
